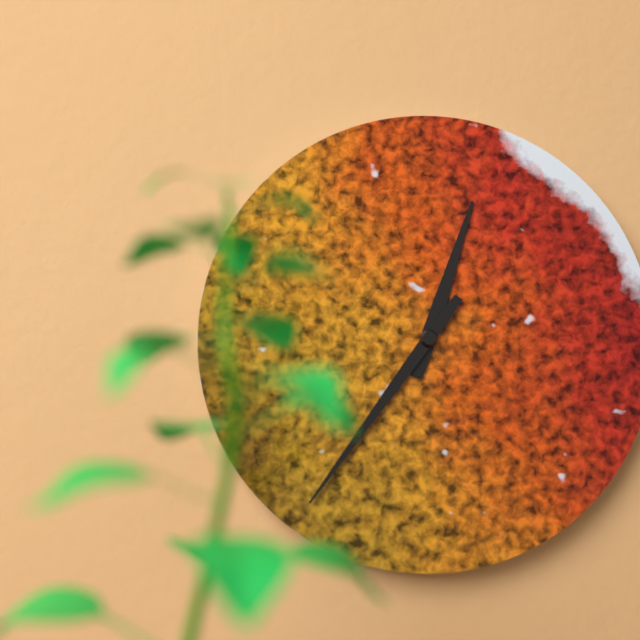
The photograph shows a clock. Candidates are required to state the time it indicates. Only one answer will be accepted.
12:36
